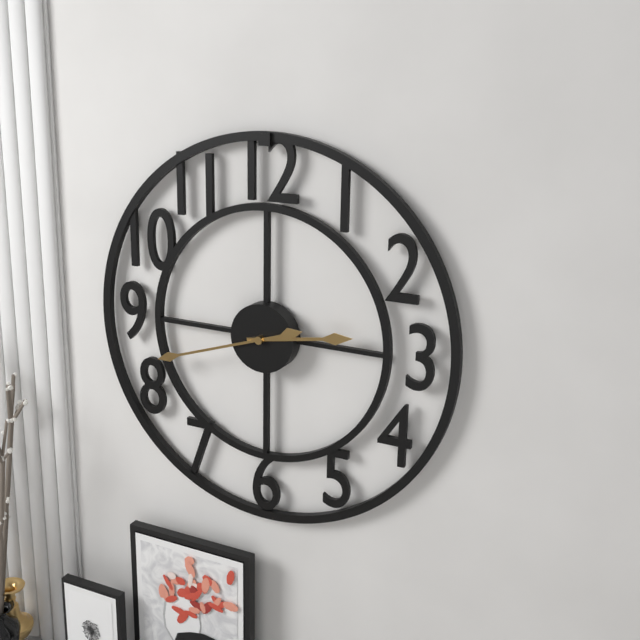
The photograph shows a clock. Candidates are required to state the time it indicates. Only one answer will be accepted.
2:42
